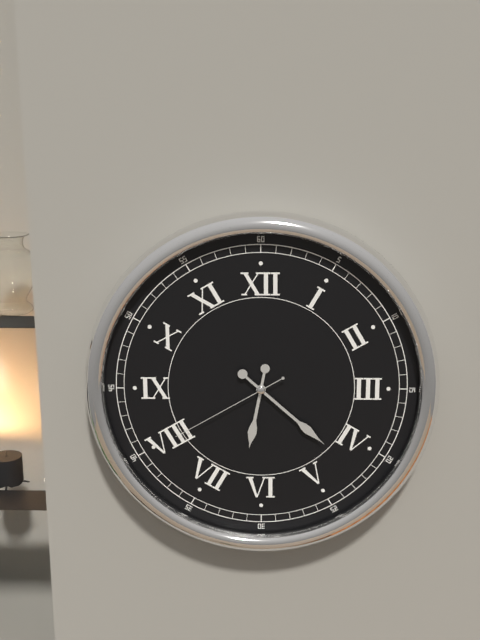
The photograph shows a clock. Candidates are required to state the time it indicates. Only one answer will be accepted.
6:22:40
